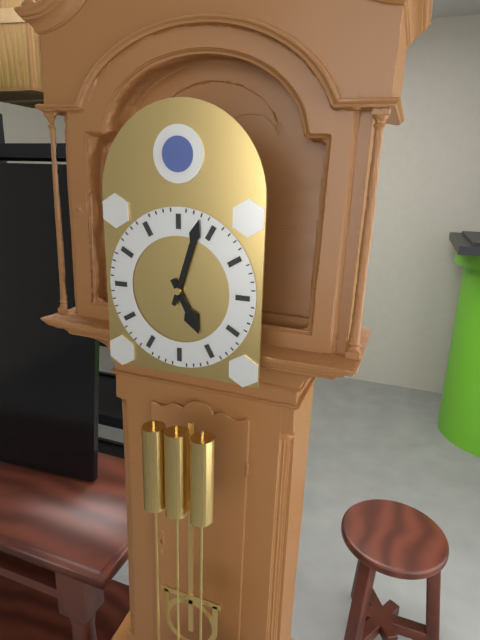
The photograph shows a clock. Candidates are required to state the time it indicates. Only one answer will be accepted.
5:03
